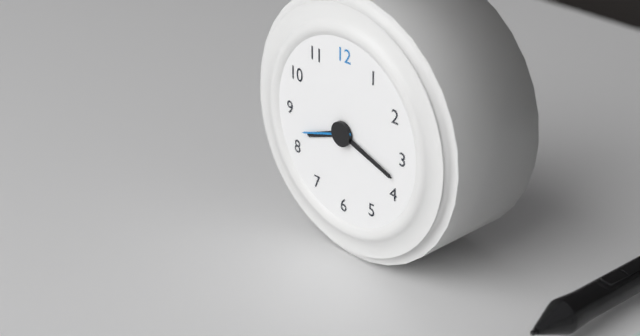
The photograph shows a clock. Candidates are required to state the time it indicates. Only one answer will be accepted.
8:18
